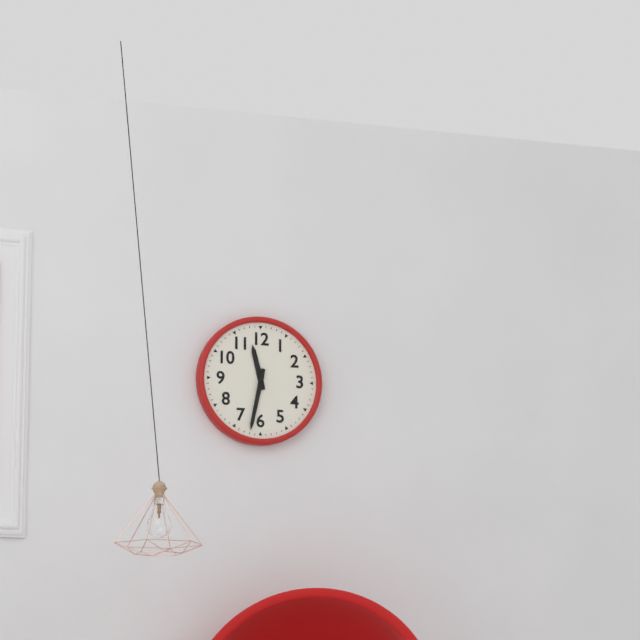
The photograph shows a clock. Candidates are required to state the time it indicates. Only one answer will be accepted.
11:32
